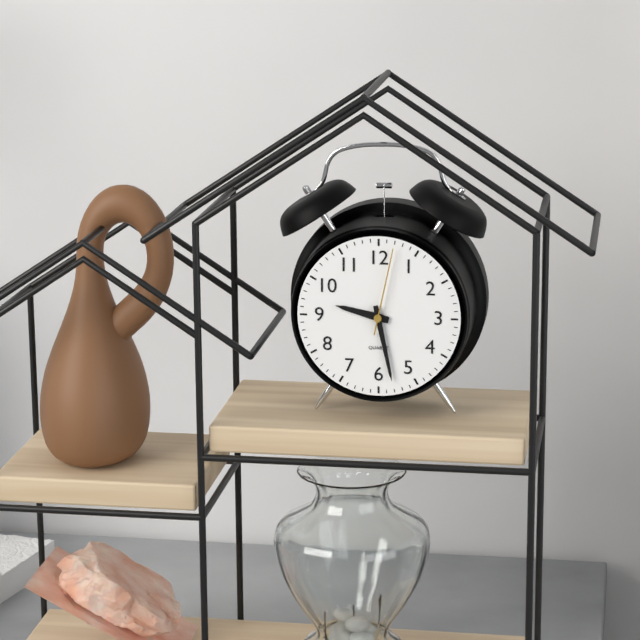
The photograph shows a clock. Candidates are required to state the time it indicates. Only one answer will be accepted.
9:28:02
